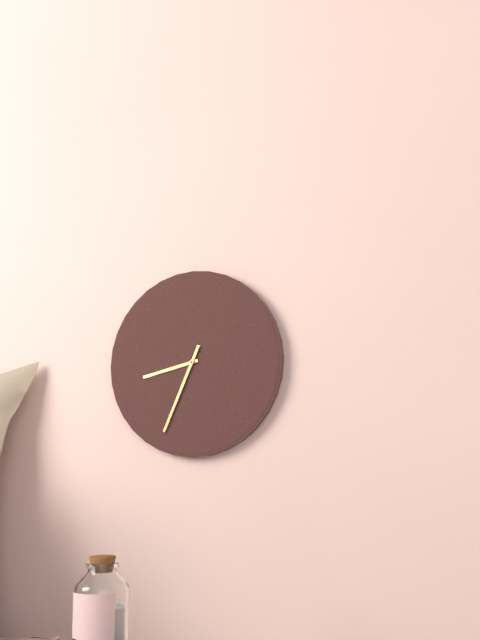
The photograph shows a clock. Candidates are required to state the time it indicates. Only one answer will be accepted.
8:34
